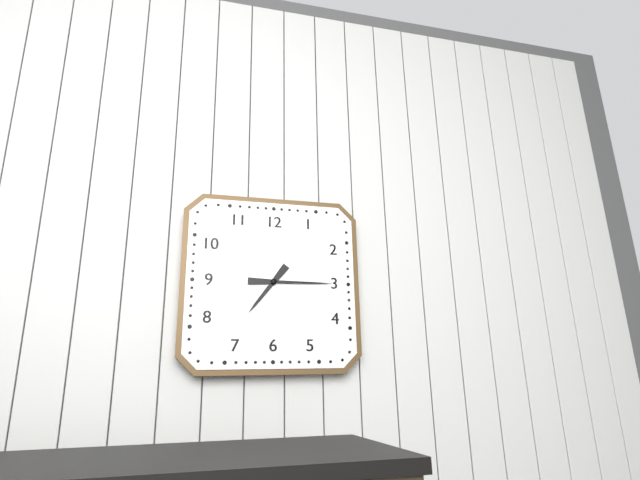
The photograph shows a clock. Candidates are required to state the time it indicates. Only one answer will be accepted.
7:15
